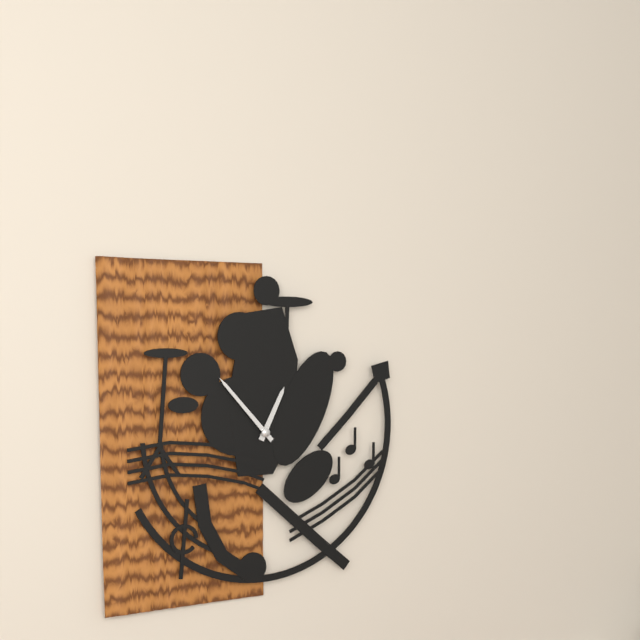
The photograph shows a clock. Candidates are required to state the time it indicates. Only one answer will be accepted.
12:53
